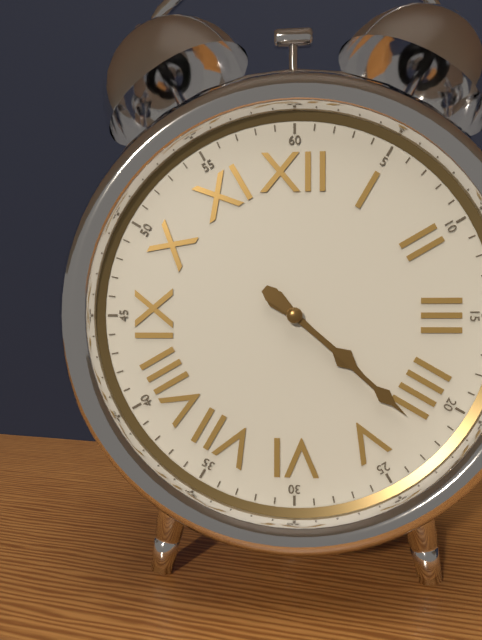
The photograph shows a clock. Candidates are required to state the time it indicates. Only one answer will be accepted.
4:22
